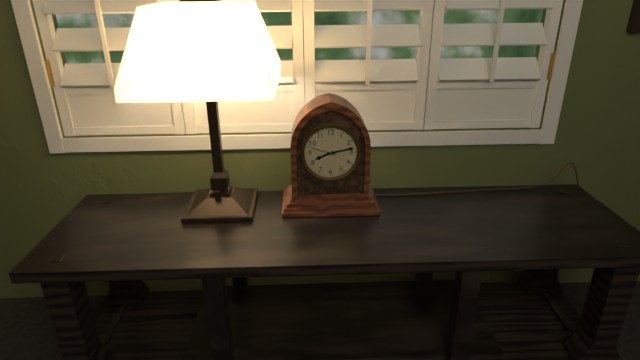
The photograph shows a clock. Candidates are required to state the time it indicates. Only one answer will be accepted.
8:13
